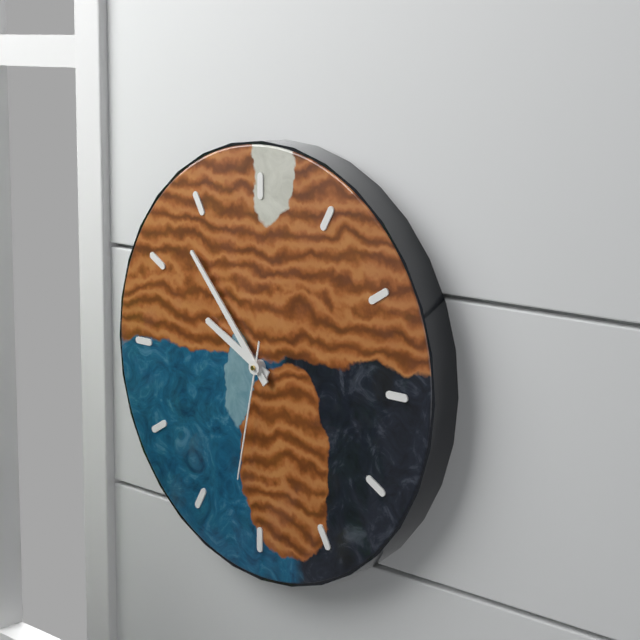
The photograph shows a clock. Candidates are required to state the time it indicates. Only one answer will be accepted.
9:53:32
